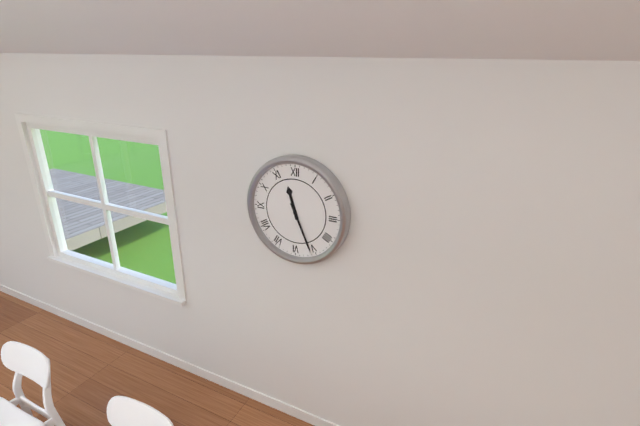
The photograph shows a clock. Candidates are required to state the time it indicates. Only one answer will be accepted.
11:26
